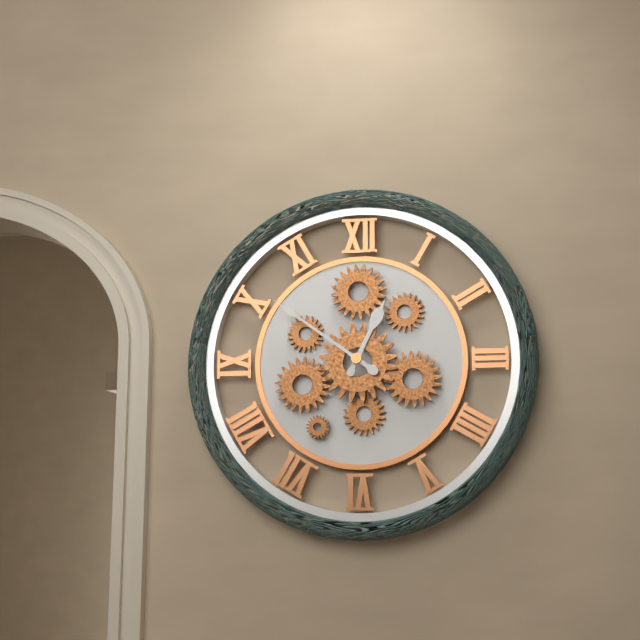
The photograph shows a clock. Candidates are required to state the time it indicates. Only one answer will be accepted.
12:51
